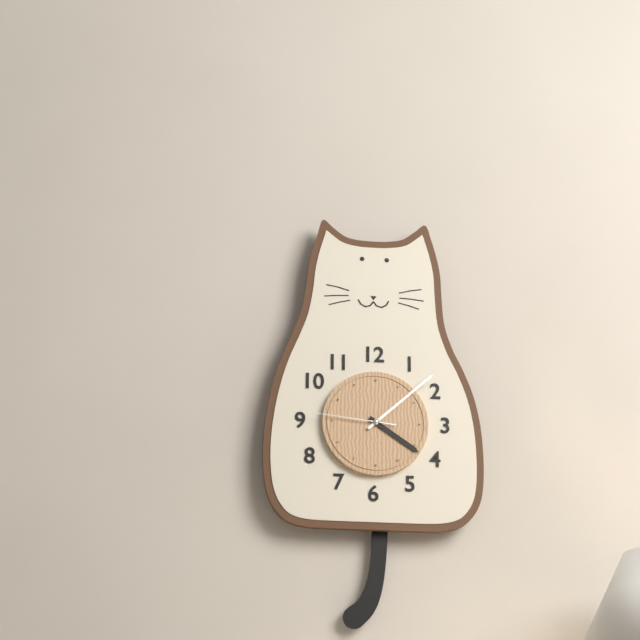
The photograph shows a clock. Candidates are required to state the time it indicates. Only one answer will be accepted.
4:08:46
